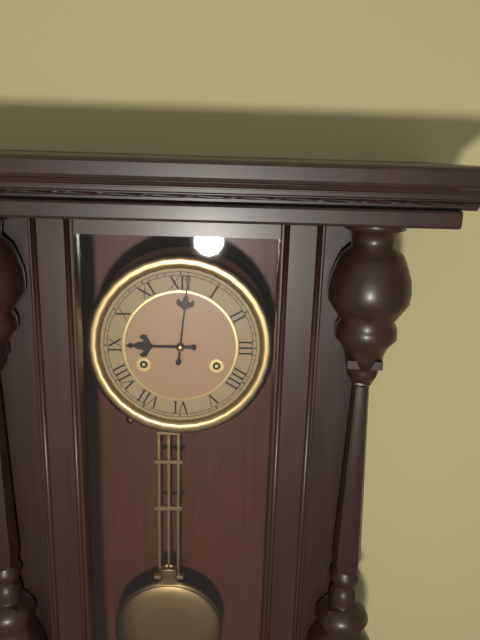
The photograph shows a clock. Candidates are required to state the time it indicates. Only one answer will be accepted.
9:01
